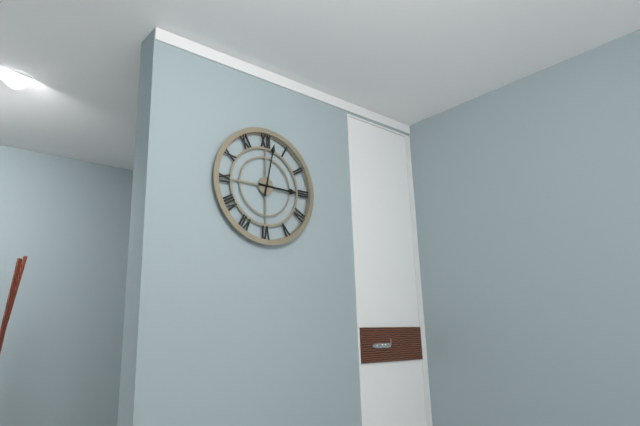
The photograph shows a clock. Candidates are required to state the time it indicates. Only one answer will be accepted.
3:02
